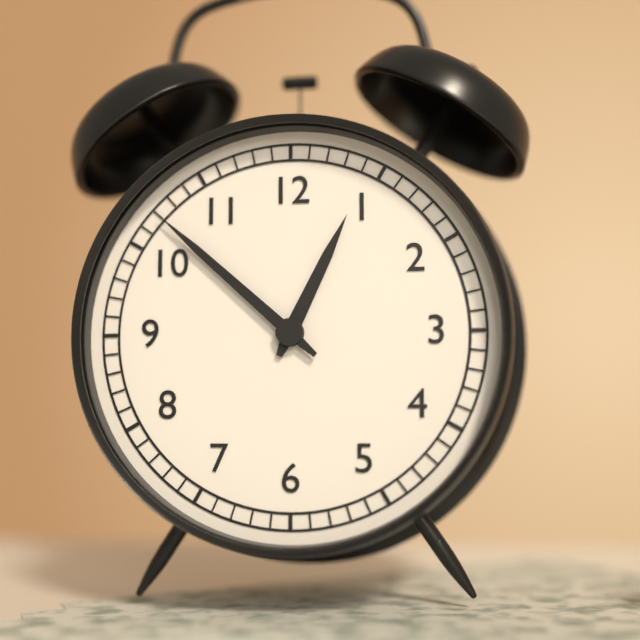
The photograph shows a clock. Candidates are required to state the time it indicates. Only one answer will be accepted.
12:52
